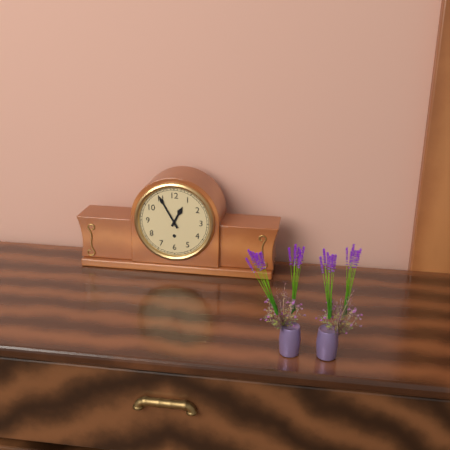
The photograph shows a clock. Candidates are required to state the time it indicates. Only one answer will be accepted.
12:55
